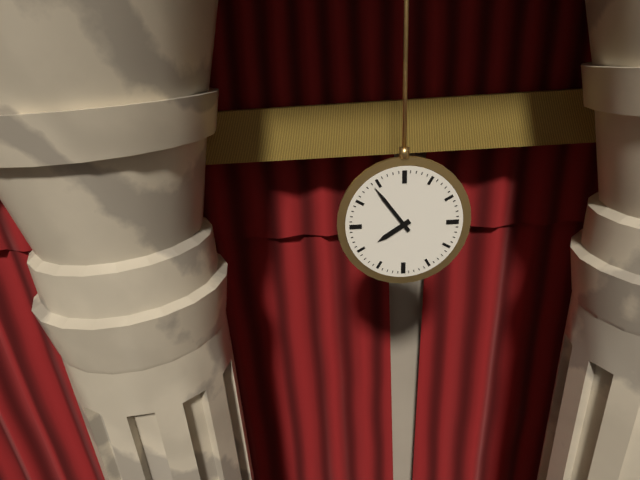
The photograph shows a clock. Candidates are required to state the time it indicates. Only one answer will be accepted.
7:54
